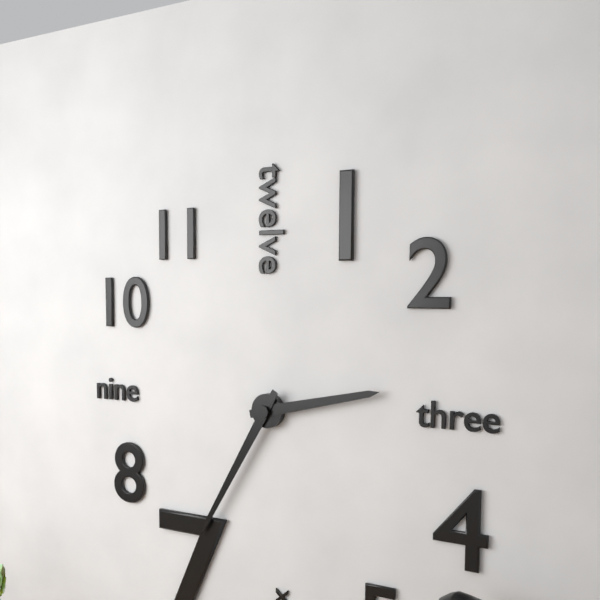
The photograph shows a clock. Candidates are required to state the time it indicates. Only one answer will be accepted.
2:35
